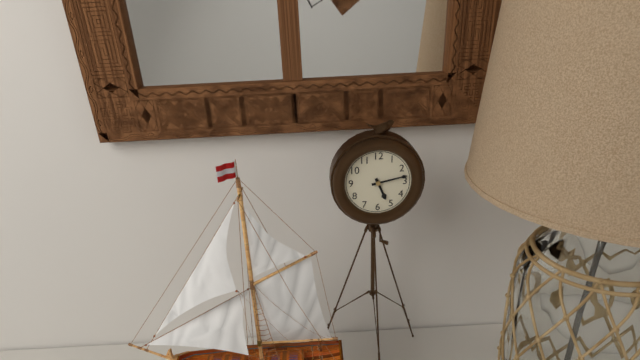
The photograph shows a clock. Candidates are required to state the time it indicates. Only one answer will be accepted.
5:13
